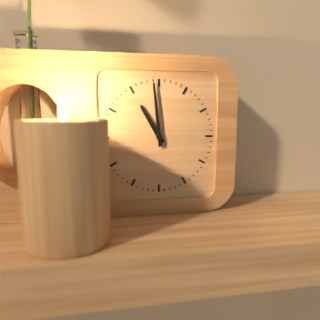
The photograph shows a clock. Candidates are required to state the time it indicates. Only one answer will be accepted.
10:59
